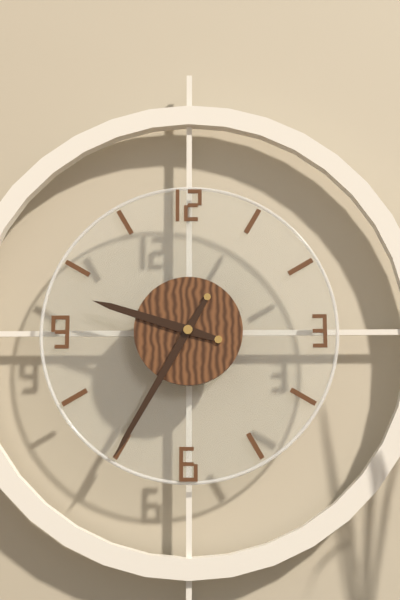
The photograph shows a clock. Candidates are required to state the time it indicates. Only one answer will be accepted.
9:35
